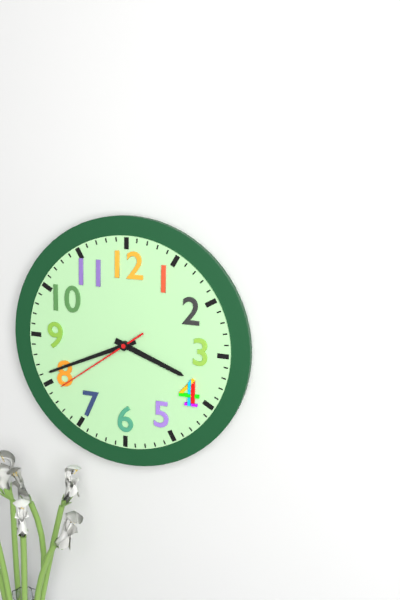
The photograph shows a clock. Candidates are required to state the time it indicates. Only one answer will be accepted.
3:41:39
